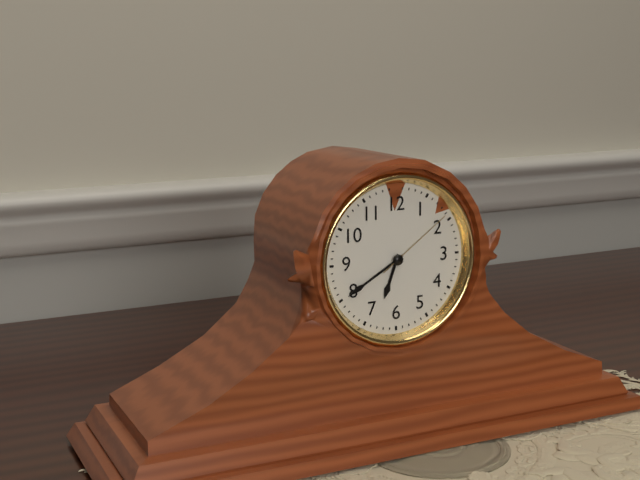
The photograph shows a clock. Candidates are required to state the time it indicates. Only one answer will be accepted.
6:40:09
